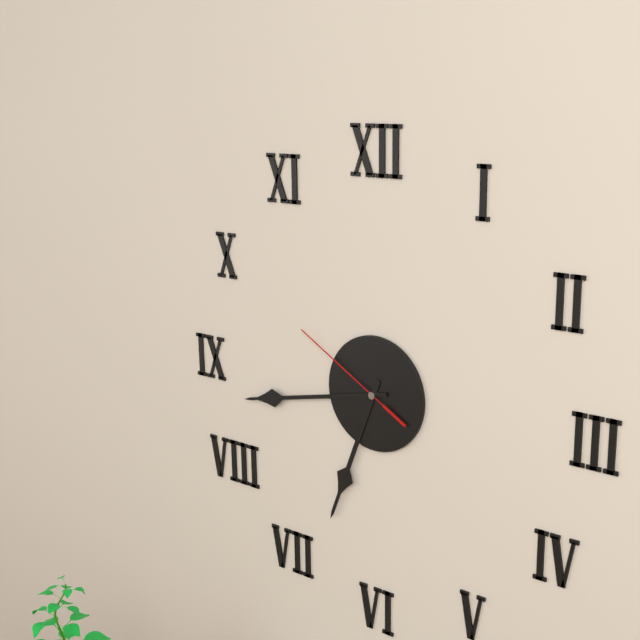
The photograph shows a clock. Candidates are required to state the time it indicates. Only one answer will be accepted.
6:43:50
